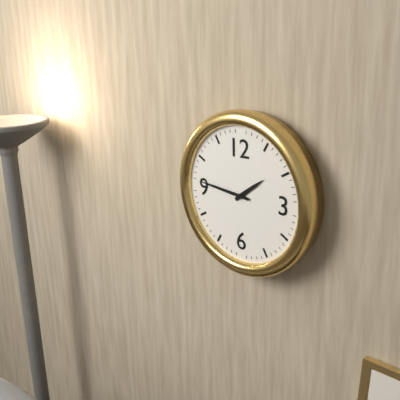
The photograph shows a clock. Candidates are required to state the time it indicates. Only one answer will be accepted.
1:46
